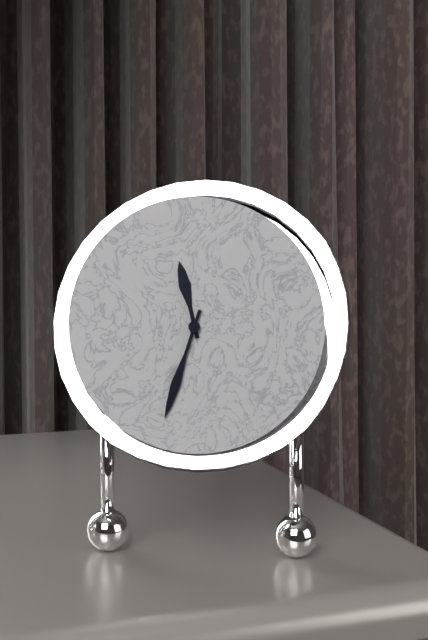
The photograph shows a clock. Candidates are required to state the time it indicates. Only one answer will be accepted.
11:33
